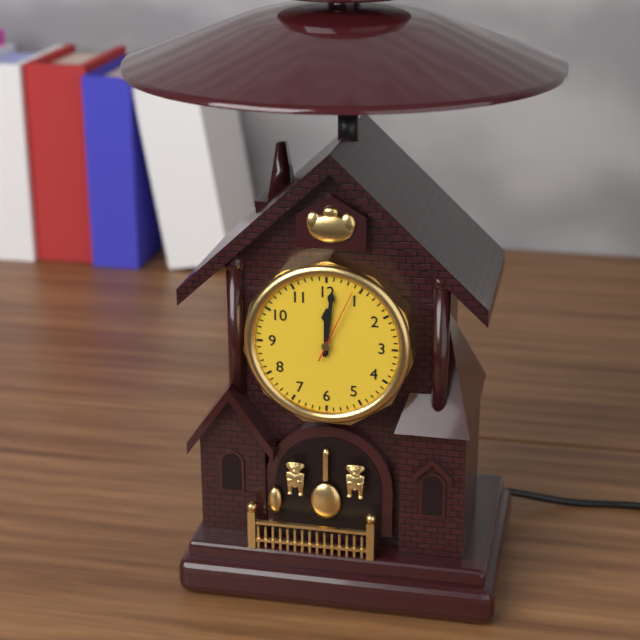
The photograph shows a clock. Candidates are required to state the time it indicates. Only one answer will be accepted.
12:01:04
